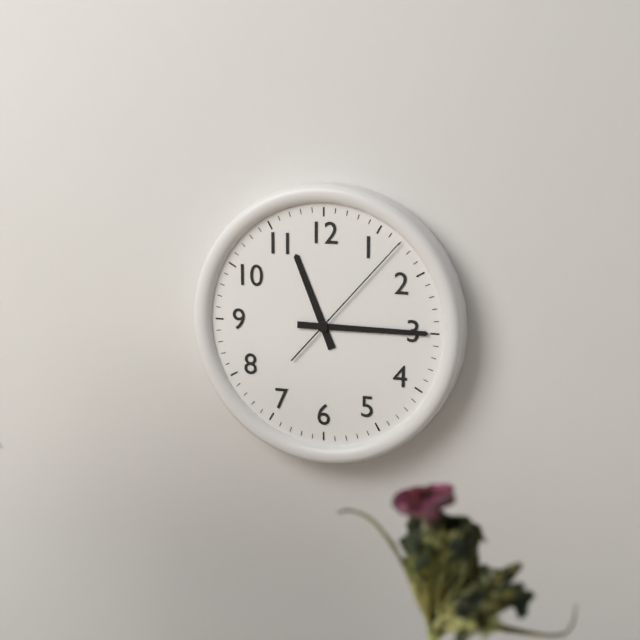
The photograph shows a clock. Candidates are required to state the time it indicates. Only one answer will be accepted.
11:15:07
